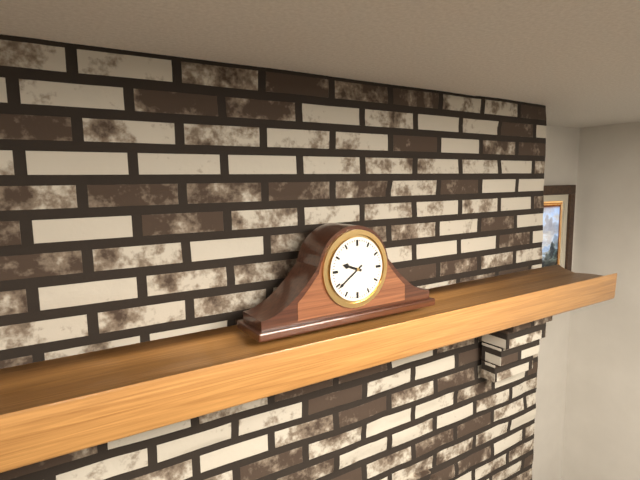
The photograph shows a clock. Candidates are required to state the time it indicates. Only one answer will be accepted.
9:39
